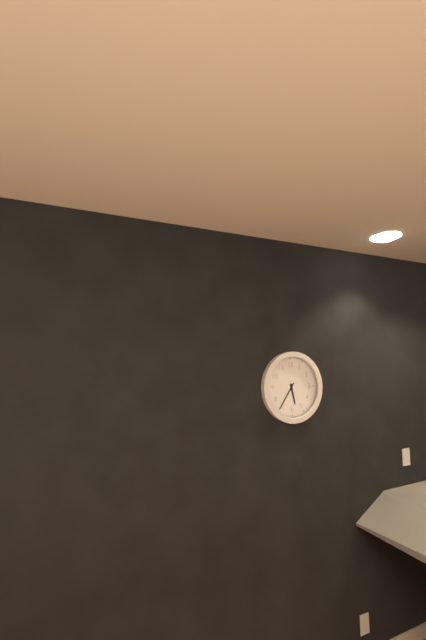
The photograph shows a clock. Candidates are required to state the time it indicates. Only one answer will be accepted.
5:36
